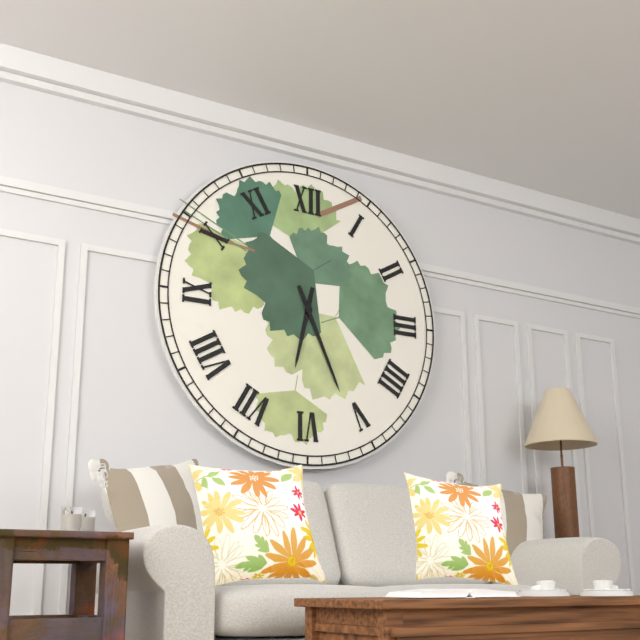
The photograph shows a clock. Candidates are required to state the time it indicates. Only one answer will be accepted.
6:26
